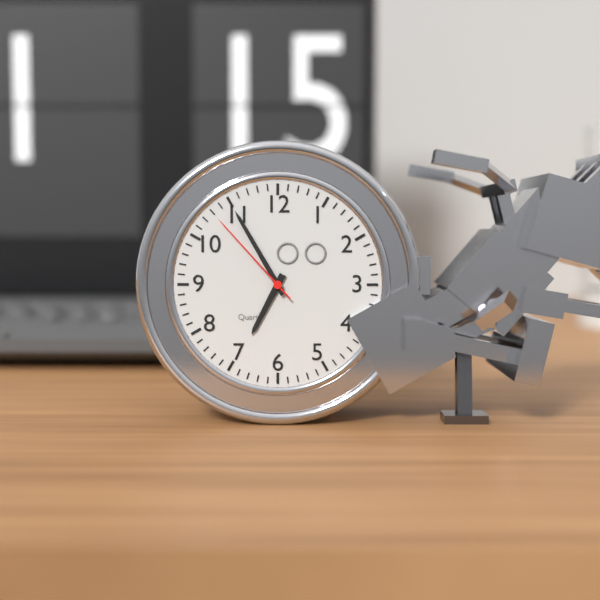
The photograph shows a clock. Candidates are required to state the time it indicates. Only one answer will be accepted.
6:55:53
